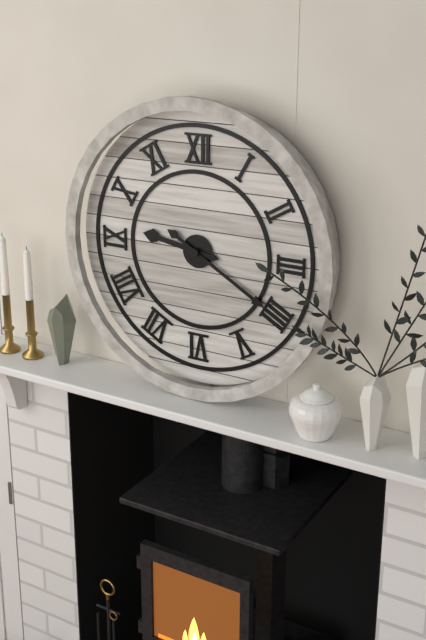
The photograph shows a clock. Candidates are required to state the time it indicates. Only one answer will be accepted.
9:20
